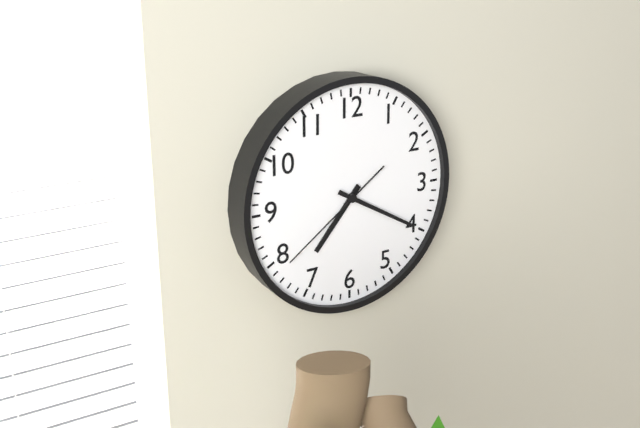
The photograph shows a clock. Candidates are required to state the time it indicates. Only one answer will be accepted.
7:20:39
